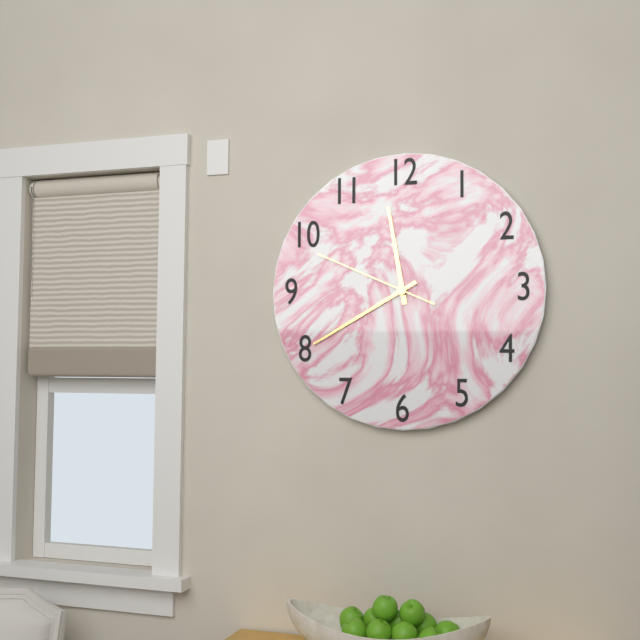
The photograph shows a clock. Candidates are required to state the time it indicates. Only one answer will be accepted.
11:40:49
